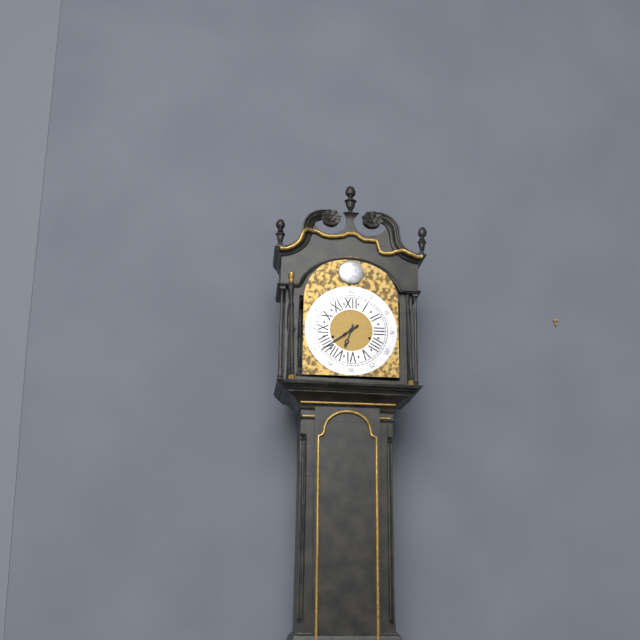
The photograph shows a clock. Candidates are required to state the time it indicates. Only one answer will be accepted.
6:39
